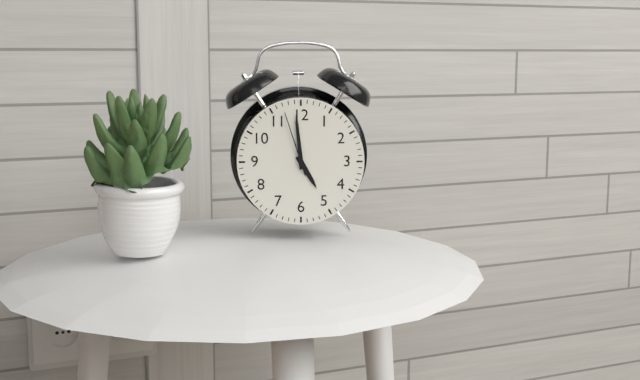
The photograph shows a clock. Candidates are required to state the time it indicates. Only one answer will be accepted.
4:59:57
